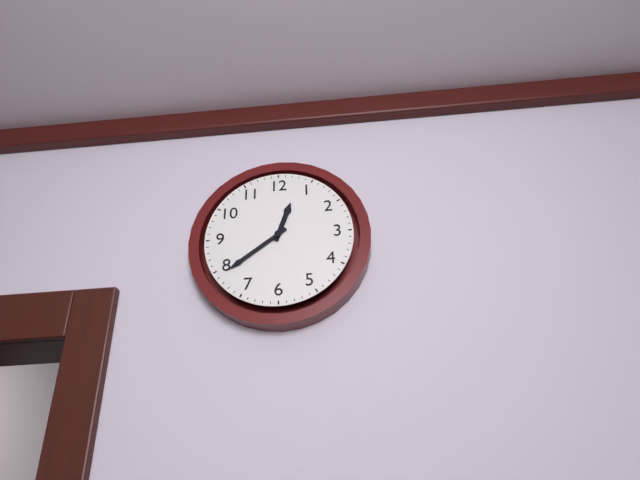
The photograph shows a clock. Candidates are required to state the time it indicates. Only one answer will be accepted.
12:39
